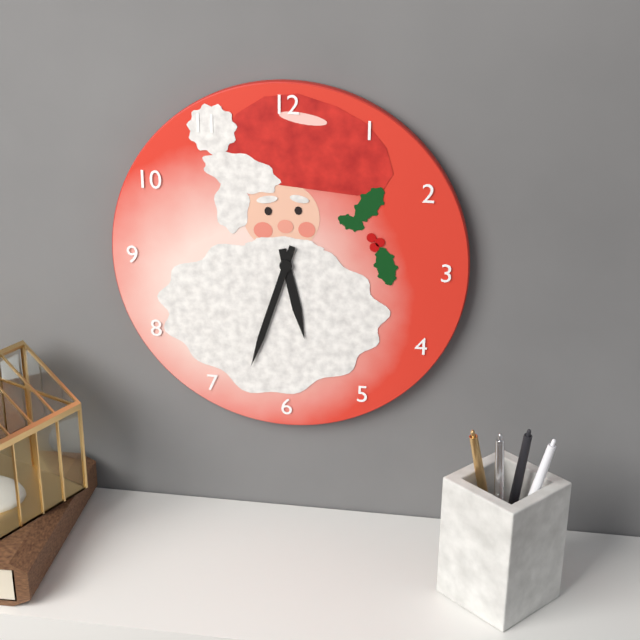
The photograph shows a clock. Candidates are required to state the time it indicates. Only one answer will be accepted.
5:33
